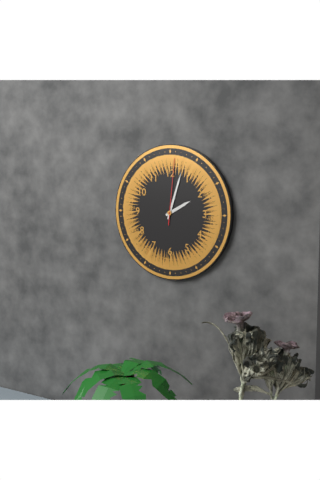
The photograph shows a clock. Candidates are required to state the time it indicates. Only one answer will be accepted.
2:03:01
